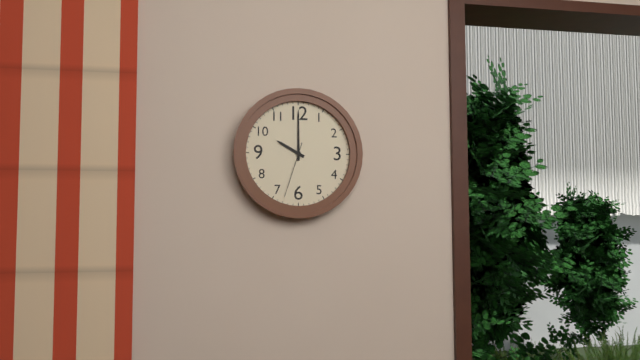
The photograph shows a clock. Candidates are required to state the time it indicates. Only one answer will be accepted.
10:00:33
